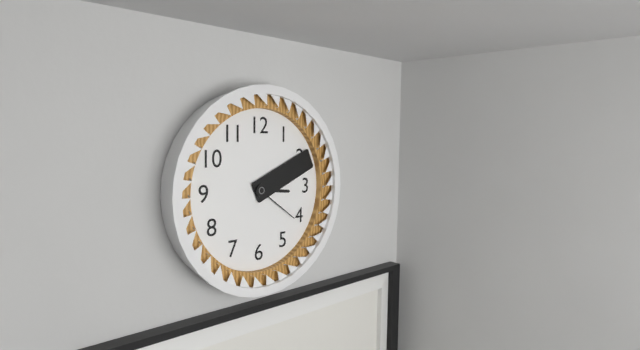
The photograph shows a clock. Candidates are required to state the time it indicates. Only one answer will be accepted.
3:11:21
